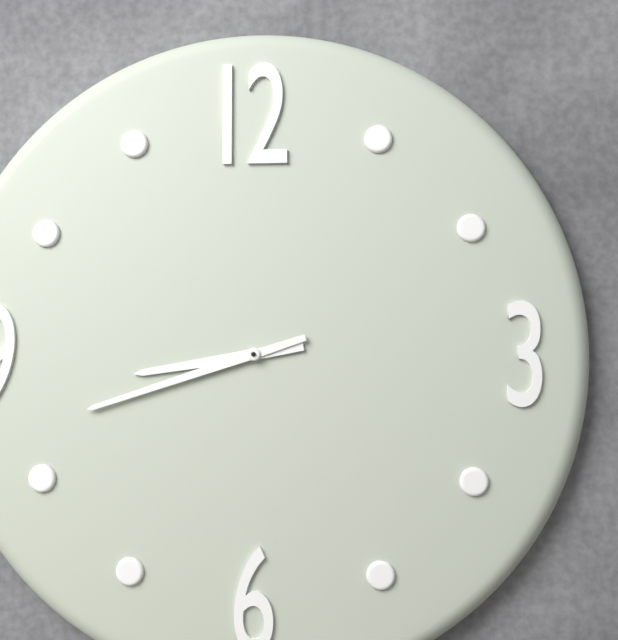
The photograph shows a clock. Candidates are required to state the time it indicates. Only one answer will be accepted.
8:42
